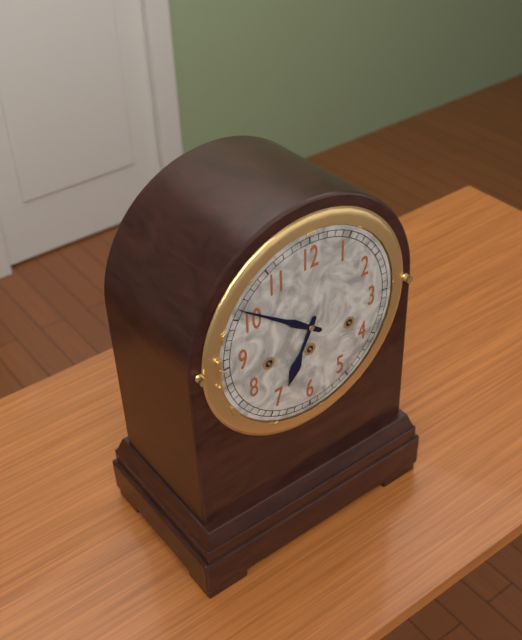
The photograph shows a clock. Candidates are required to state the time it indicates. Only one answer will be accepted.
6:51
